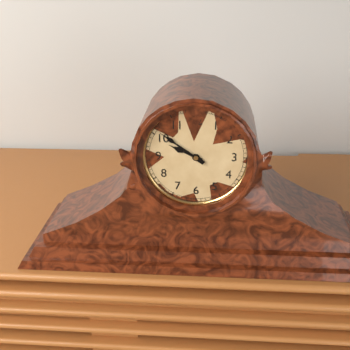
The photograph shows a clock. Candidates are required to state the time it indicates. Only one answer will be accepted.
9:51
